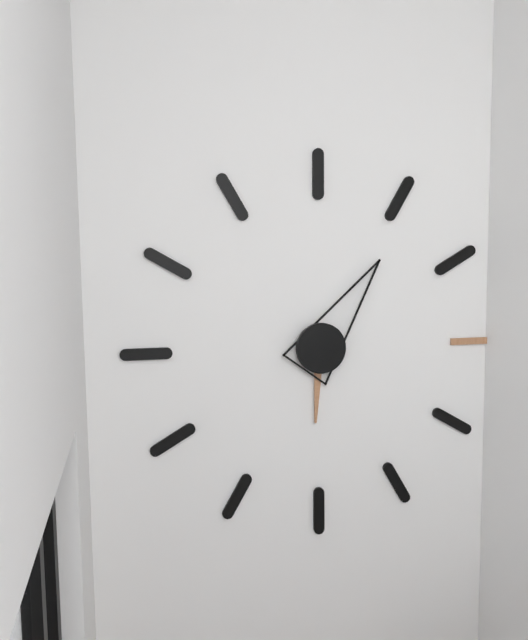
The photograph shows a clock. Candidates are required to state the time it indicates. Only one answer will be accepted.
6:06
